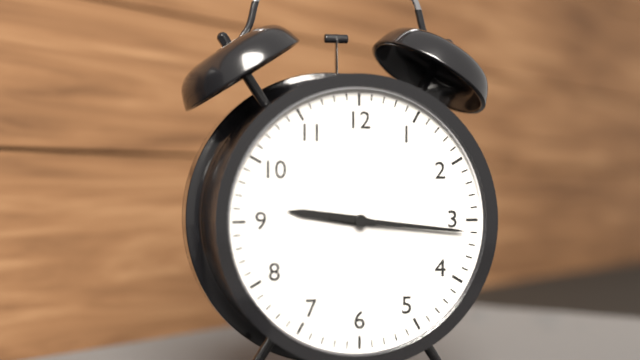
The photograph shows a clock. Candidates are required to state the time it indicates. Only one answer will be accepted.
9:16
